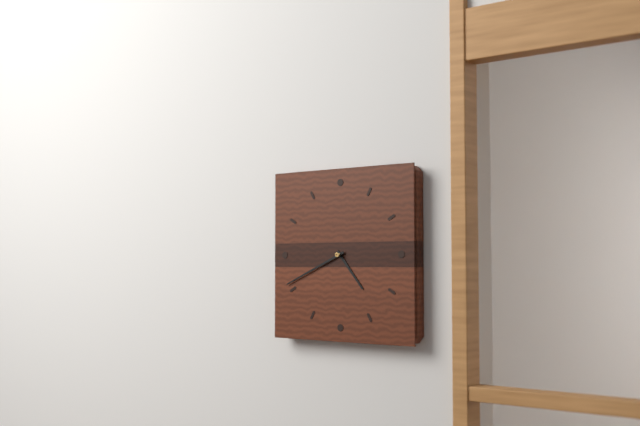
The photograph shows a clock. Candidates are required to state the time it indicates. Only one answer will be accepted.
4:41
